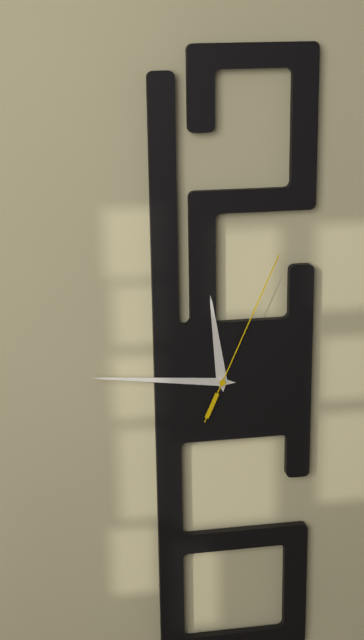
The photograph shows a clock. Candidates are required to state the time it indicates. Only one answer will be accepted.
11:46:04
